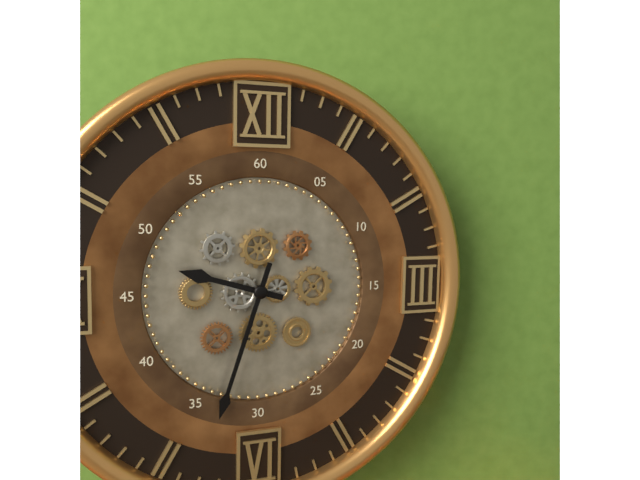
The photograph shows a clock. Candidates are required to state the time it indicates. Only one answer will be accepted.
9:33
